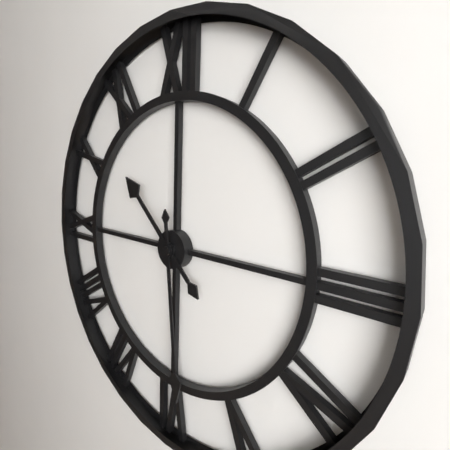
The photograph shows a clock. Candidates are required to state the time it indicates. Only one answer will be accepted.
10:29
